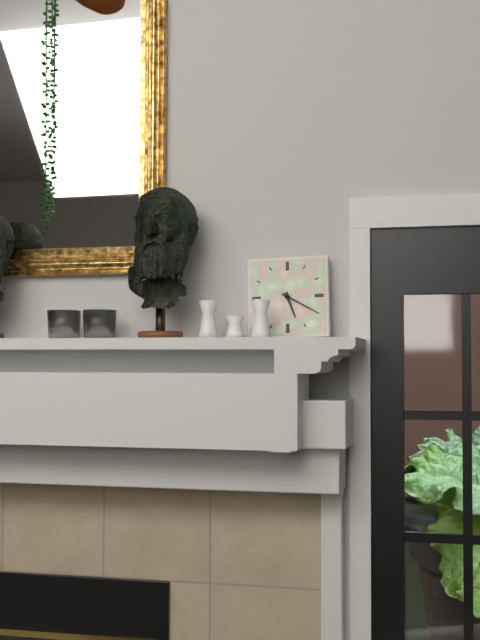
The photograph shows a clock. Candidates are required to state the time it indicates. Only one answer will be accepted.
5:20
